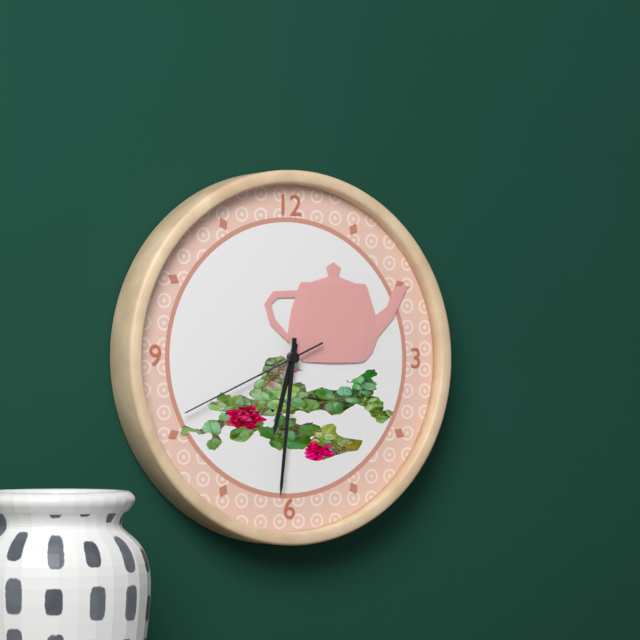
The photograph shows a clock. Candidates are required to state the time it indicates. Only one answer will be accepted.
6:31:41
